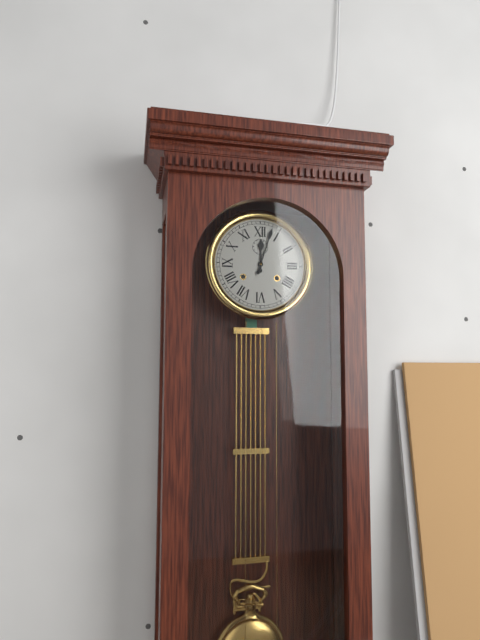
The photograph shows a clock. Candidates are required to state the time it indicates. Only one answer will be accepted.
12:03
